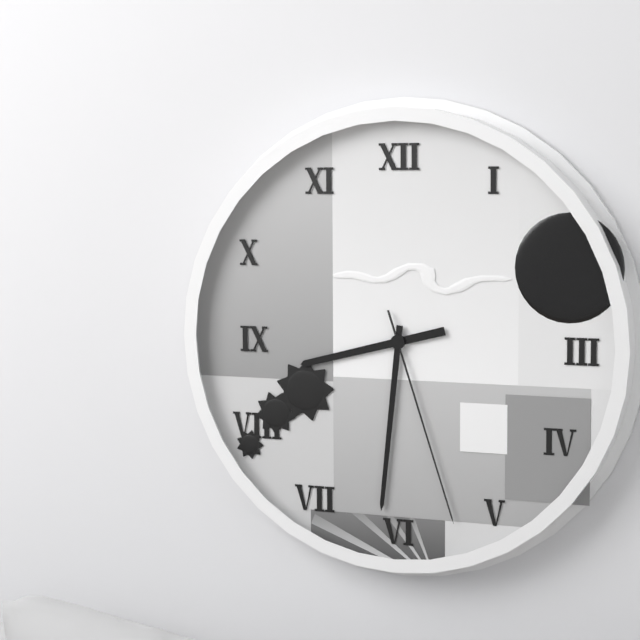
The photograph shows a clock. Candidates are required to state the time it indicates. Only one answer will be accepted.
8:31:27
